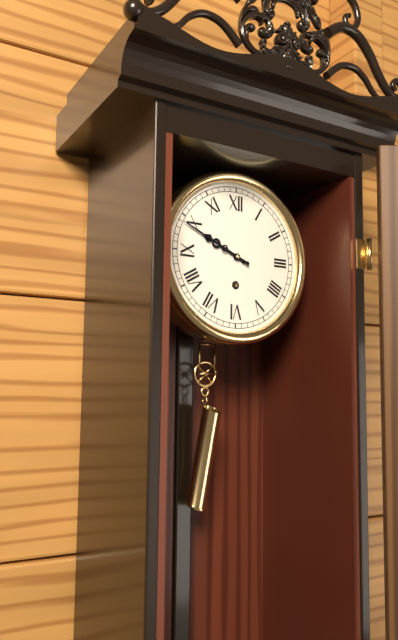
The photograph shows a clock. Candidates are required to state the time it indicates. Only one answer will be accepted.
9:49
